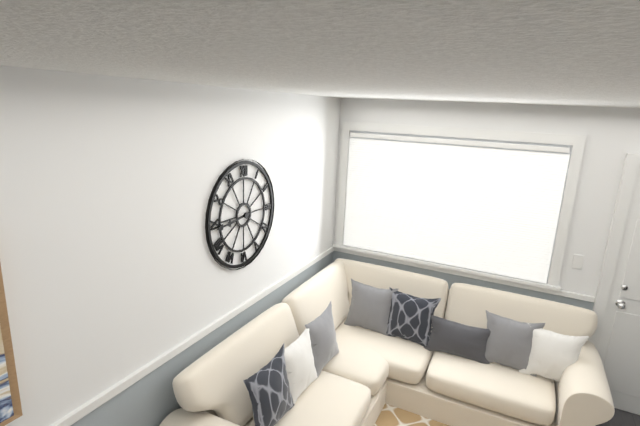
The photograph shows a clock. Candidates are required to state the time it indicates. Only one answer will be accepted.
8:44
